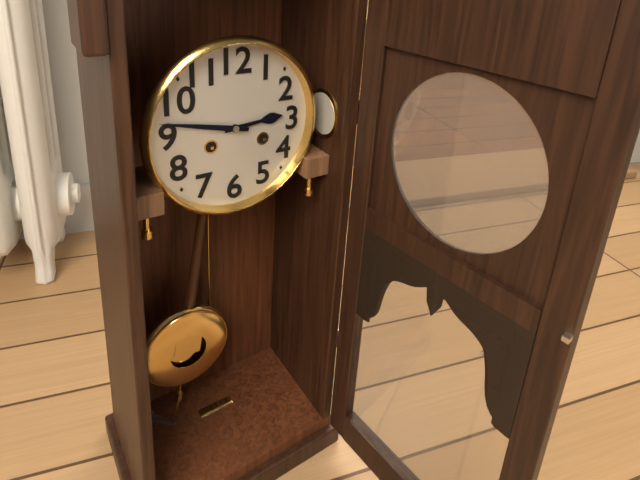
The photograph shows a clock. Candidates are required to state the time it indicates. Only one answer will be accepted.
2:47
